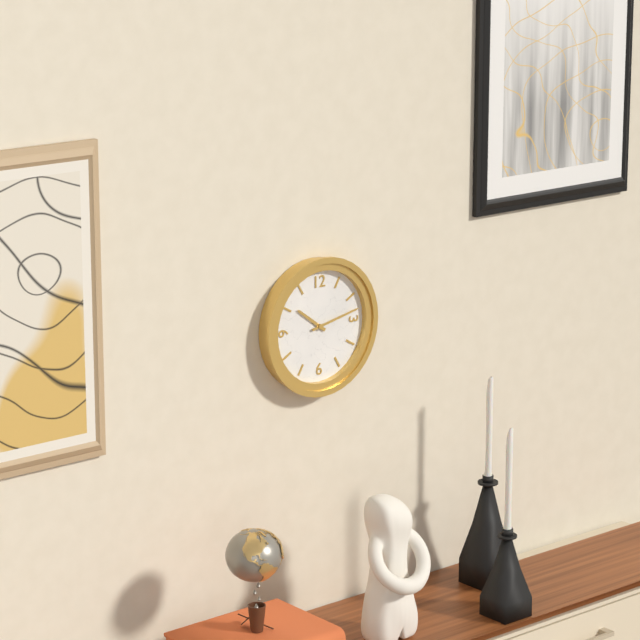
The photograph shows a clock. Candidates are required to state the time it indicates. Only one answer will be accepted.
10:13
